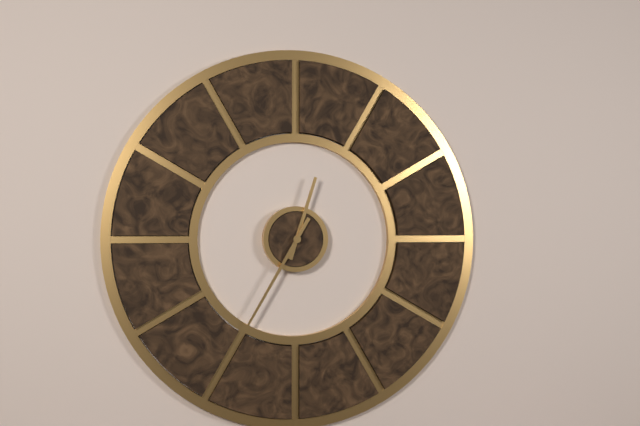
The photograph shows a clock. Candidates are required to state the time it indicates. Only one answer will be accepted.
12:35
